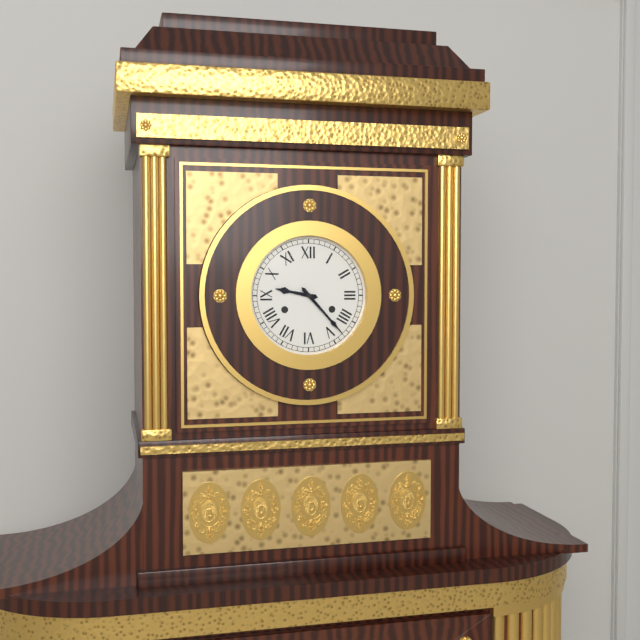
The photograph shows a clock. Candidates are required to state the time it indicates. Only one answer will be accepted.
9:23
